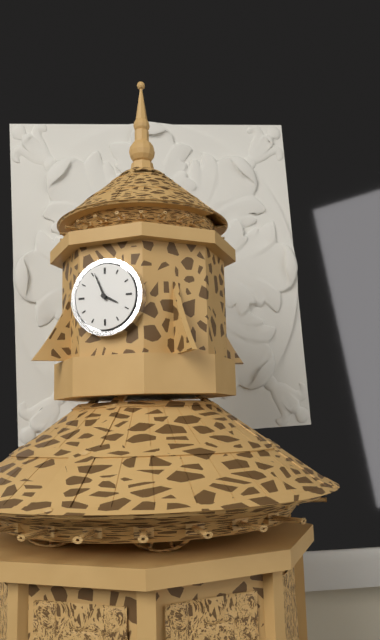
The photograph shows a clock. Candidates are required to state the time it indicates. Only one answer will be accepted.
3:56
